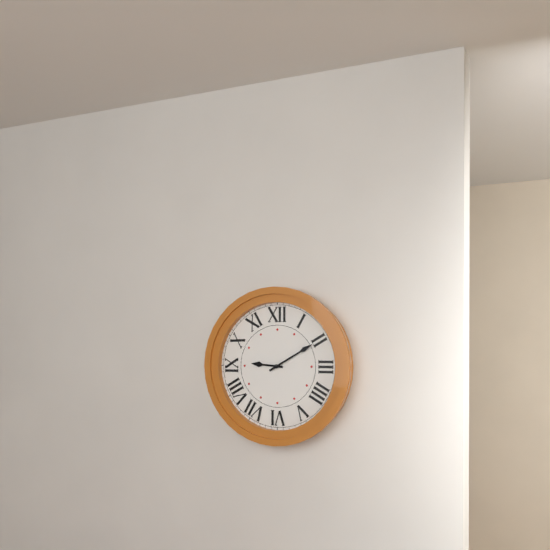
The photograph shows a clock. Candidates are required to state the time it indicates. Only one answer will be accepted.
9:10
